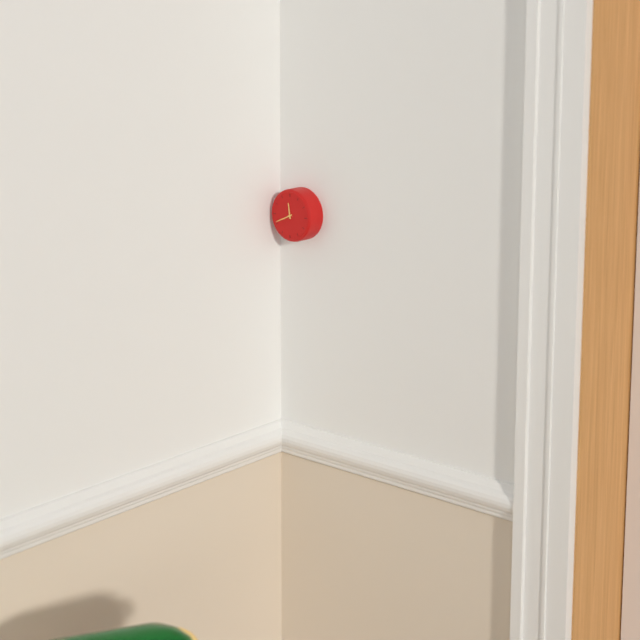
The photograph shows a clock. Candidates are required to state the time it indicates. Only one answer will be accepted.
11:41
